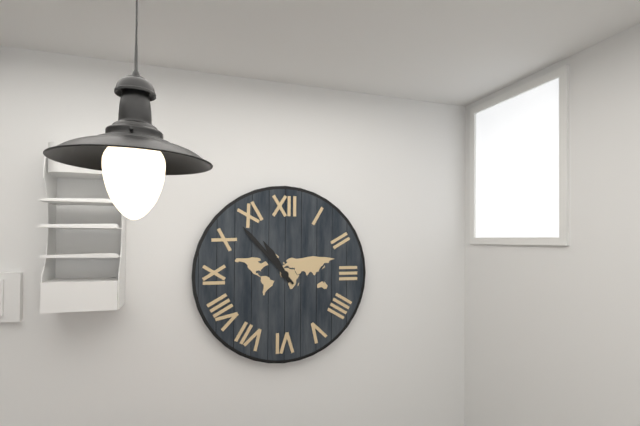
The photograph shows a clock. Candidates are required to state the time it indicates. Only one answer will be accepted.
10:53
